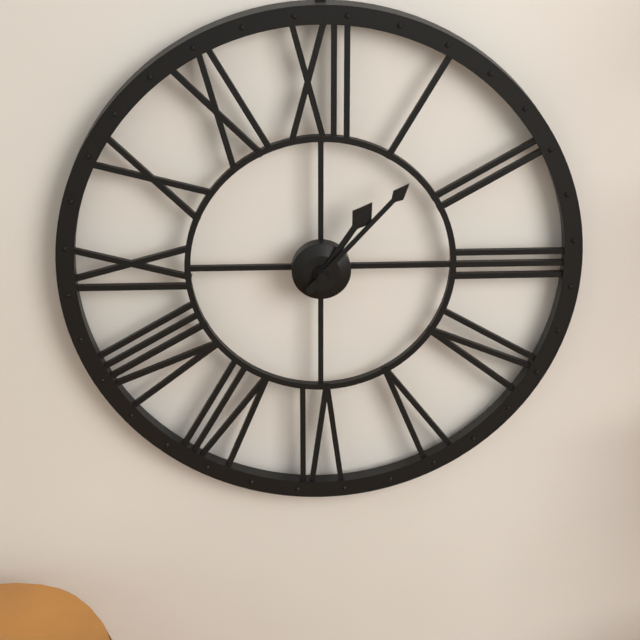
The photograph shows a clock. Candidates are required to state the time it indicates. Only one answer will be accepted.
1:07
